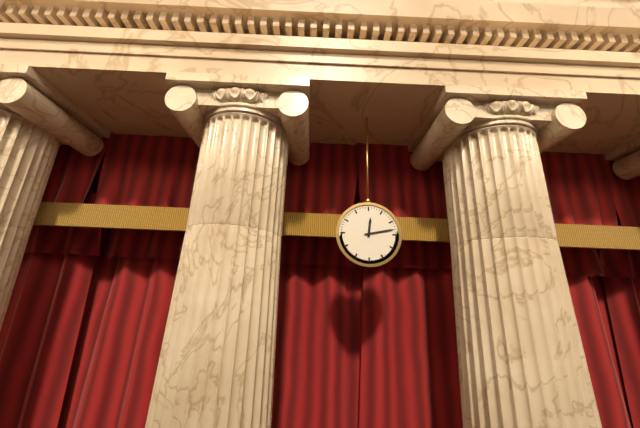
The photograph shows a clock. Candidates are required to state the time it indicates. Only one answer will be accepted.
12:13
